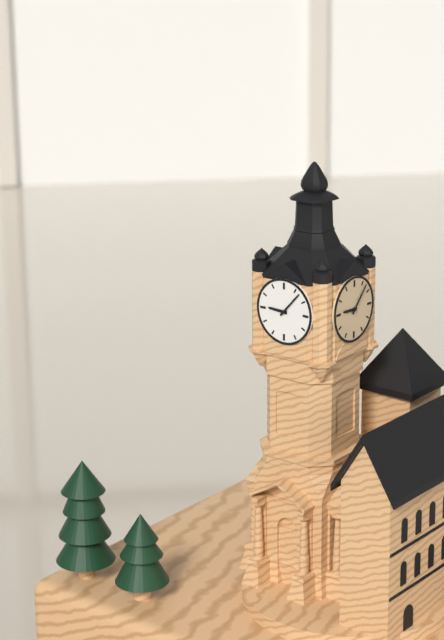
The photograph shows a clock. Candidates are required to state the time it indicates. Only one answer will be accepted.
9:07
